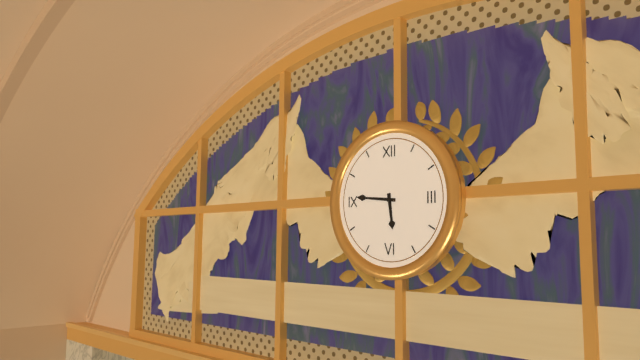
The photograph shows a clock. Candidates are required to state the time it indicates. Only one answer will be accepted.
5:46
